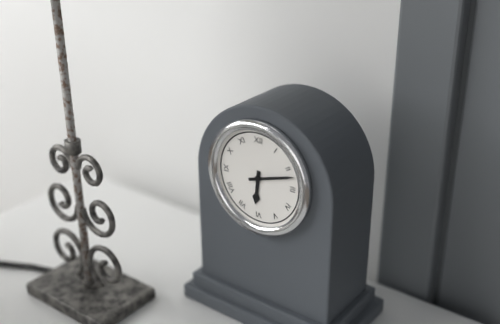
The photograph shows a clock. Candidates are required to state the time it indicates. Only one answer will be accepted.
6:12
